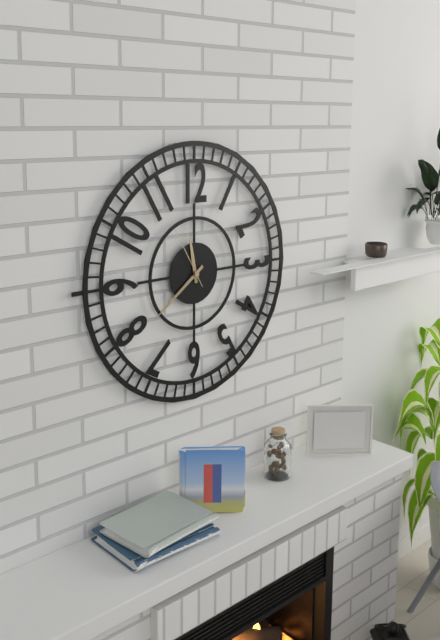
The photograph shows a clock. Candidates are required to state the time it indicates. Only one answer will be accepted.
11:39:55
